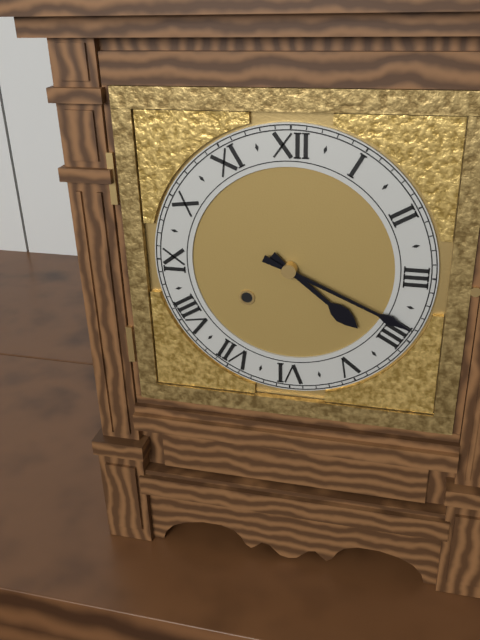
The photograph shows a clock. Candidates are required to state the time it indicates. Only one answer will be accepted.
4:19
